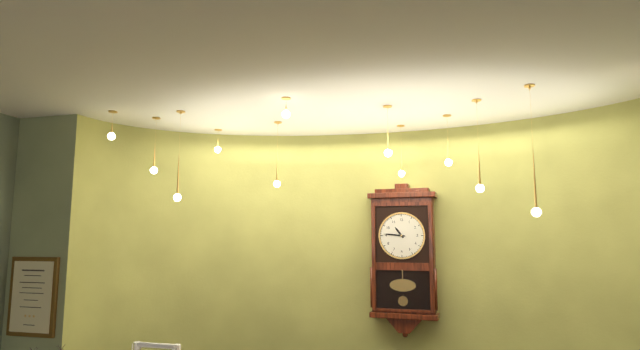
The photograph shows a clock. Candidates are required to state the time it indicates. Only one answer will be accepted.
10:46
